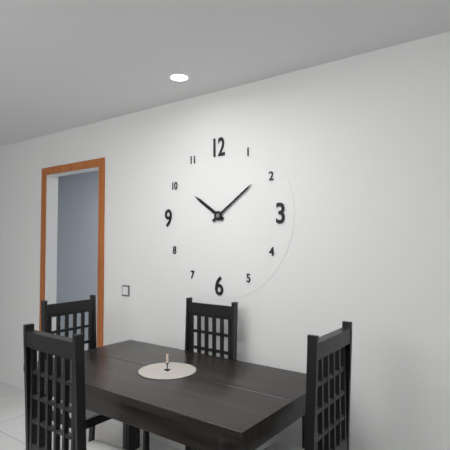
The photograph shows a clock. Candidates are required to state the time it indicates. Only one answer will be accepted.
10:09
